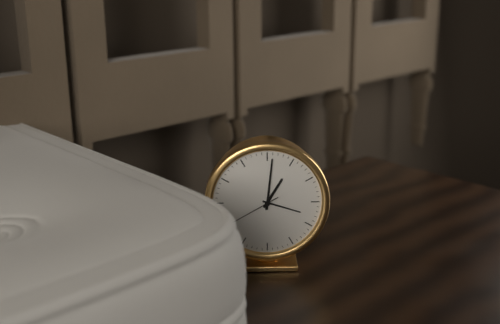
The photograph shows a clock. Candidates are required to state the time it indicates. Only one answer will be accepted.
1:01:40
